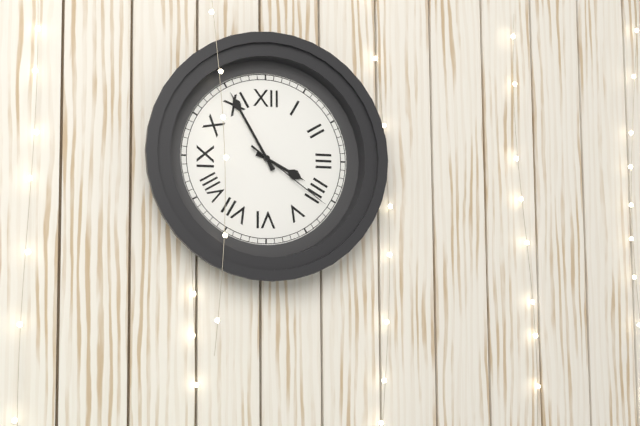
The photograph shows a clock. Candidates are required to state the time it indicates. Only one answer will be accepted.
3:55:21
